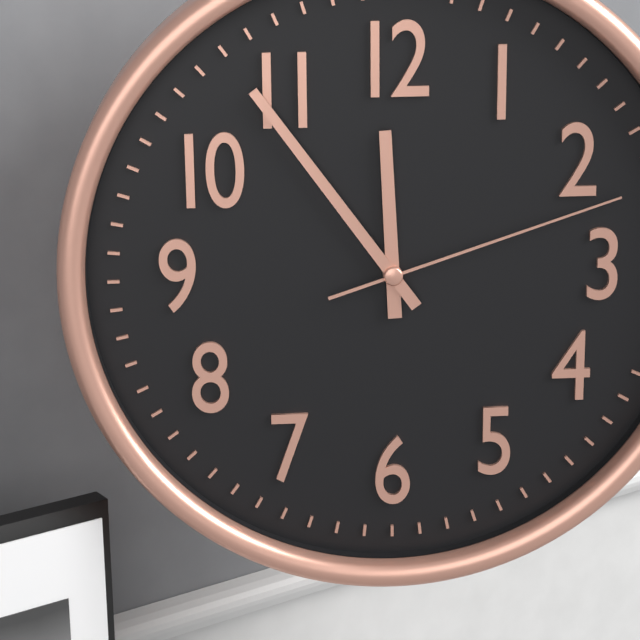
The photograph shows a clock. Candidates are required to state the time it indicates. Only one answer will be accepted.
11:54:12
